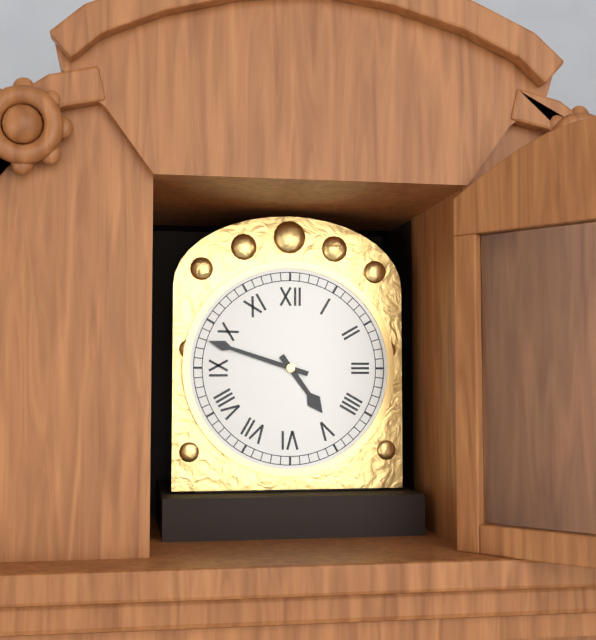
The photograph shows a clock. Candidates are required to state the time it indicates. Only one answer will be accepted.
4:48
